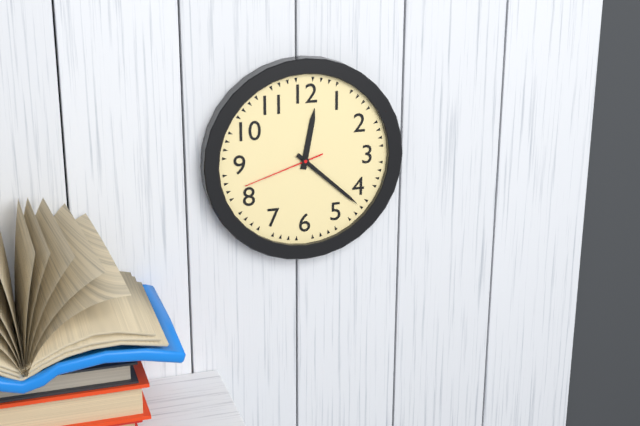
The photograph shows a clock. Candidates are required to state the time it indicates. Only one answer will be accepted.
12:22:42
